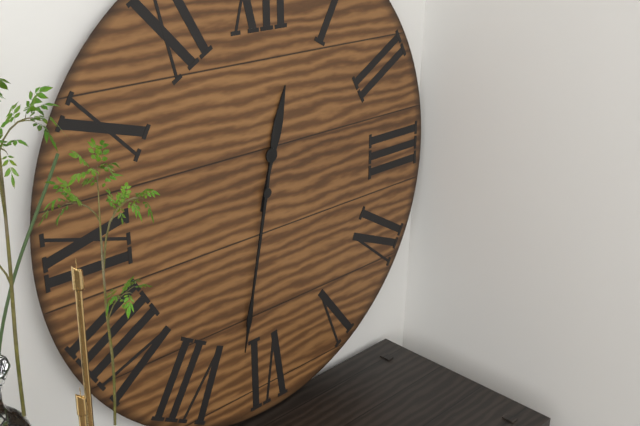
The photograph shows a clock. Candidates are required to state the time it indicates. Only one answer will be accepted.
12:32
